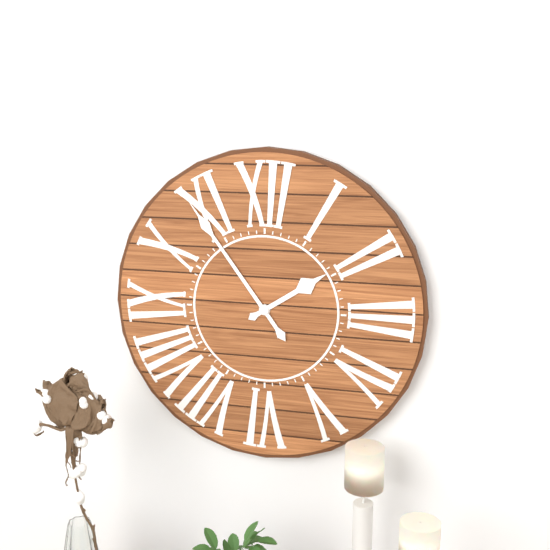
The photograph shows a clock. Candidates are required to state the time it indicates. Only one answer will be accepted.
1:54
